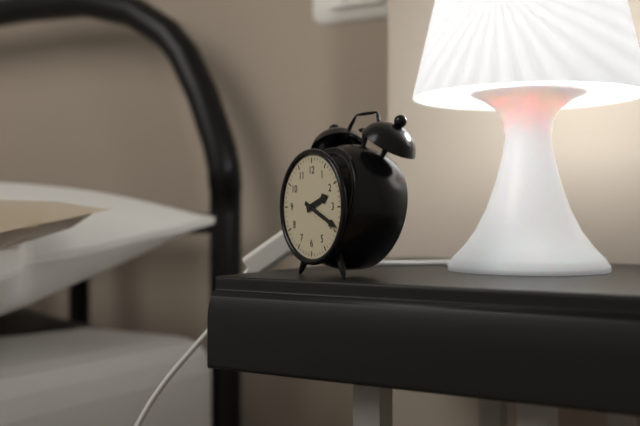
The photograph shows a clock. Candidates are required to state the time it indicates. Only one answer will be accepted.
2:19
